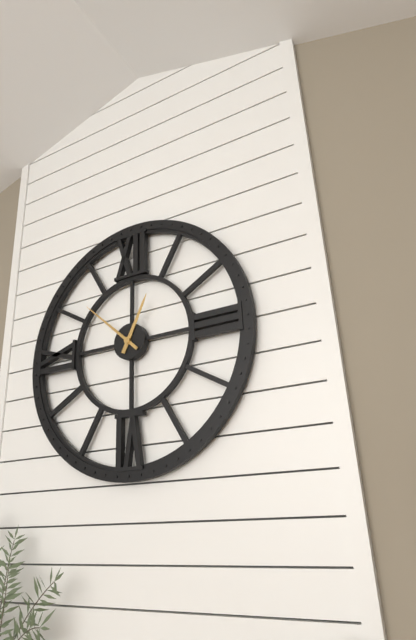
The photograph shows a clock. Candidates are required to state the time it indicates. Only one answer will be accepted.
12:52
